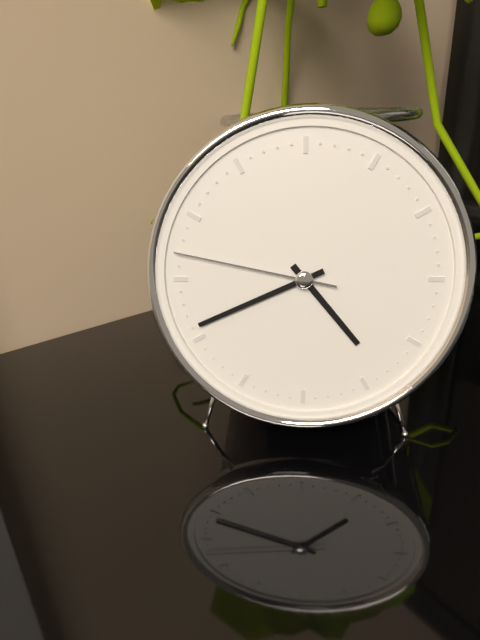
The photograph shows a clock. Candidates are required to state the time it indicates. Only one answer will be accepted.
4:41:47
